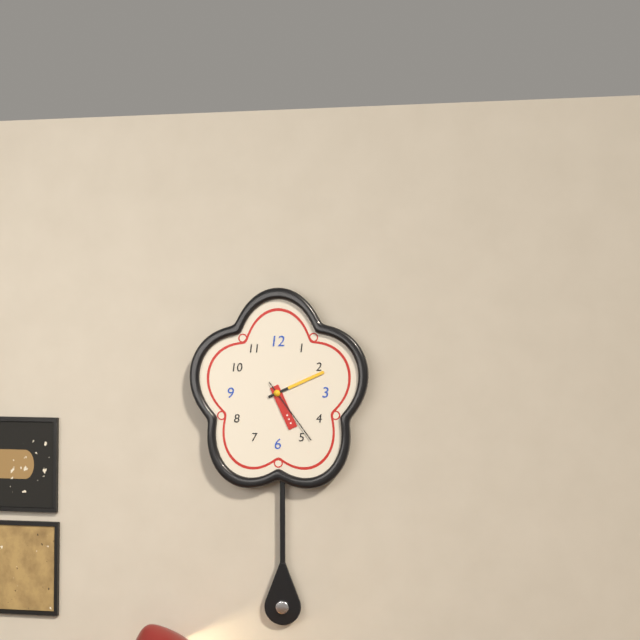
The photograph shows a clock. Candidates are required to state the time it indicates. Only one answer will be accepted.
5:11:24
